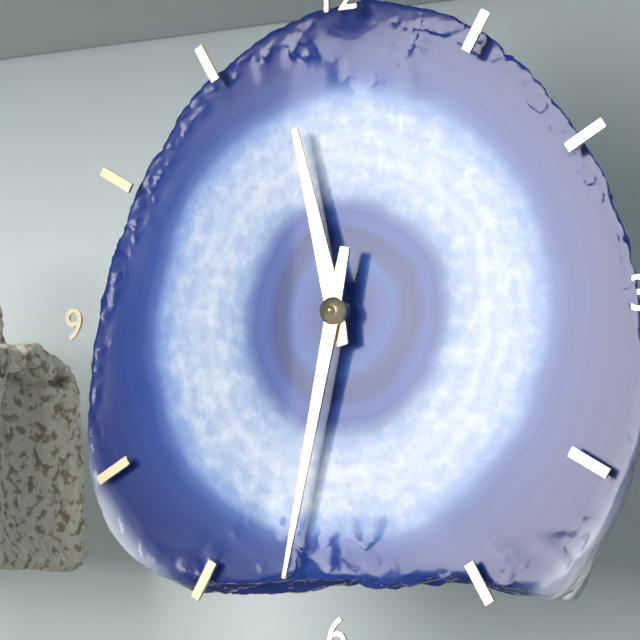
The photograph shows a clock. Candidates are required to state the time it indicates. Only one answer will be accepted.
11:32
